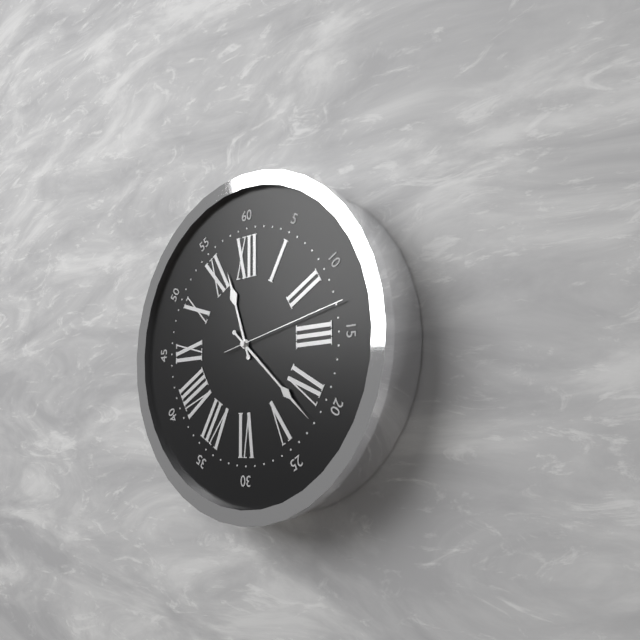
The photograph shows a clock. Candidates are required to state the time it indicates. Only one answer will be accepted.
11:22:13
